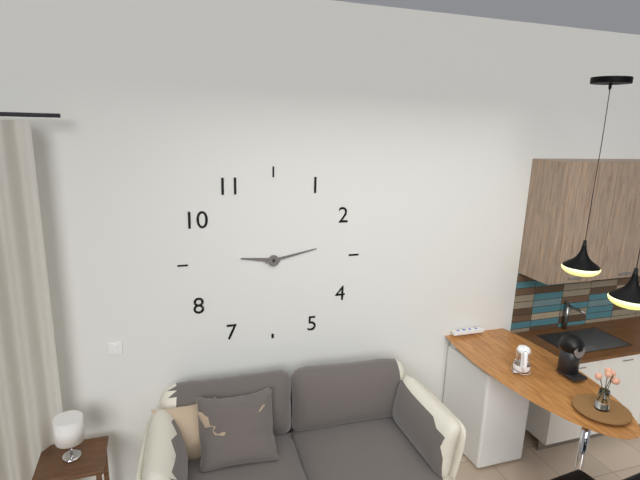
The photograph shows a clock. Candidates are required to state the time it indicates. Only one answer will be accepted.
9:13
